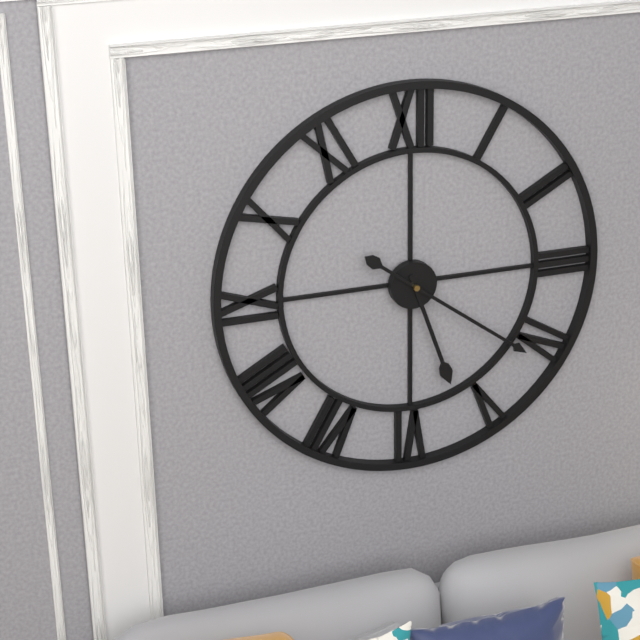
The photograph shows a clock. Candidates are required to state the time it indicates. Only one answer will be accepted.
5:21
